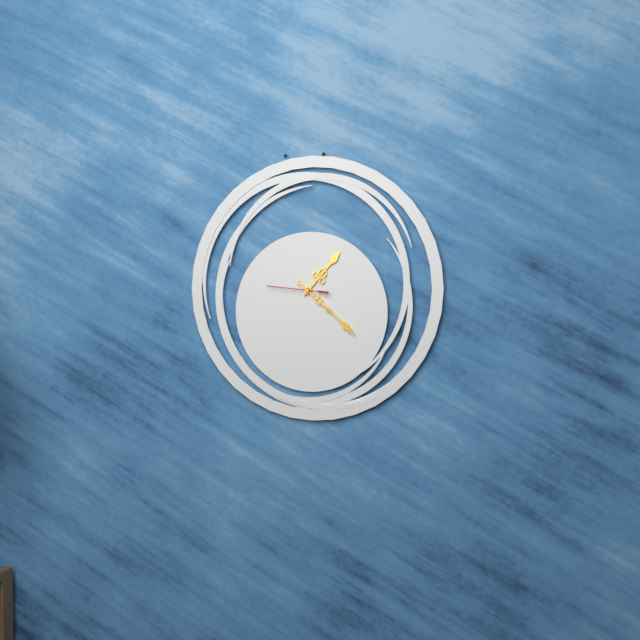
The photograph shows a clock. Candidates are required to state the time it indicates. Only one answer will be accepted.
1:22:46
